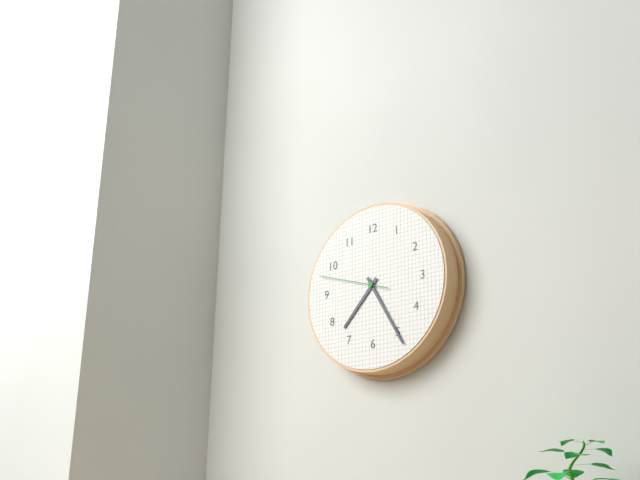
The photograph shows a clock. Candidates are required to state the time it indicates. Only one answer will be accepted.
7:25:48
